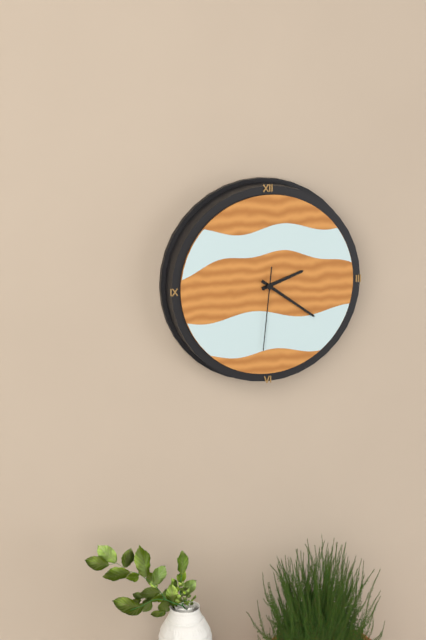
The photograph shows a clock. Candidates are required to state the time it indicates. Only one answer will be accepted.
2:21:31
